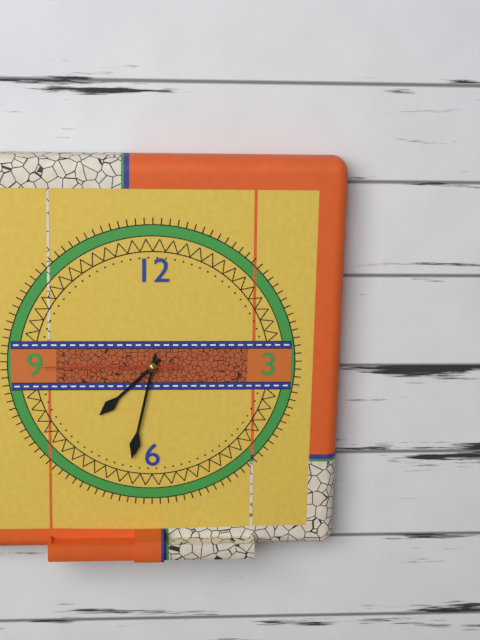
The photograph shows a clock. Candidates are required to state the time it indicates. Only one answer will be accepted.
7:32:45
